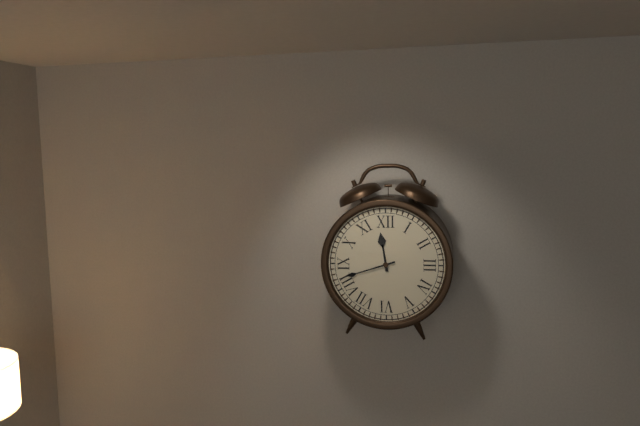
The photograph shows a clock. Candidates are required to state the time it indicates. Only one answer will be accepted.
11:42
